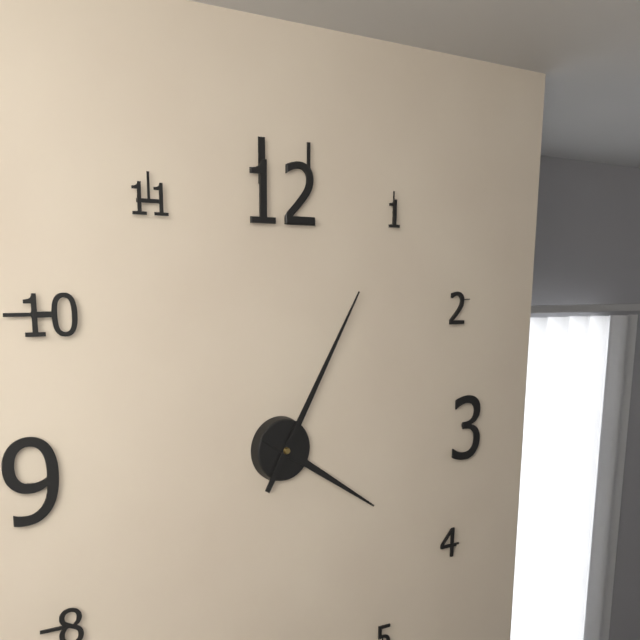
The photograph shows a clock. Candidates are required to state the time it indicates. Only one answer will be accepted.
4:05
